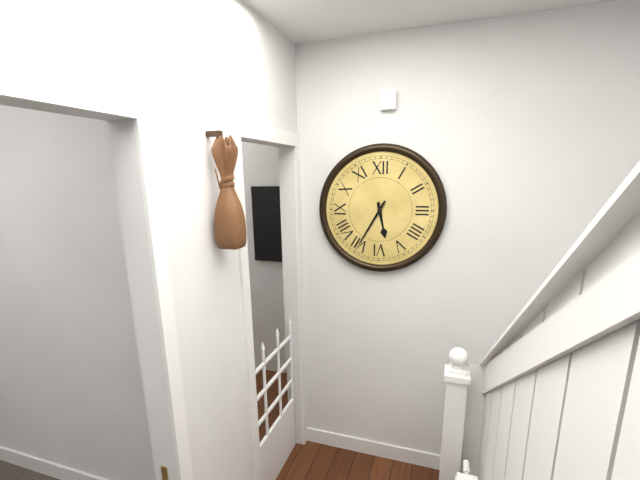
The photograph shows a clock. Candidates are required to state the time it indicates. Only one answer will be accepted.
5:35
